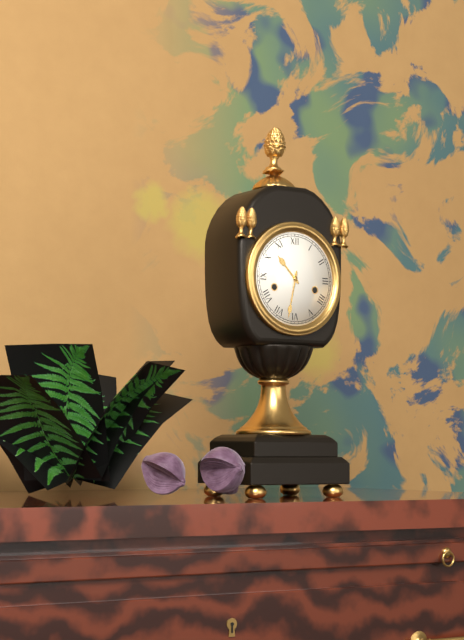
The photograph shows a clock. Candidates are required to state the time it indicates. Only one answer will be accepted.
10:32
